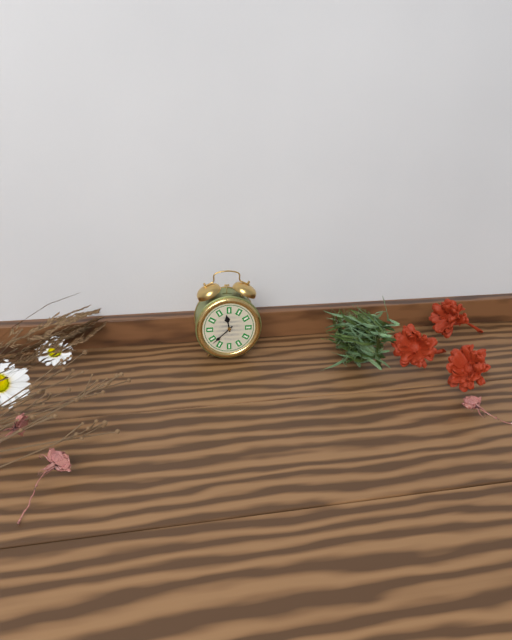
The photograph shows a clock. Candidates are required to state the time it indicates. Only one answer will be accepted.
11:38
